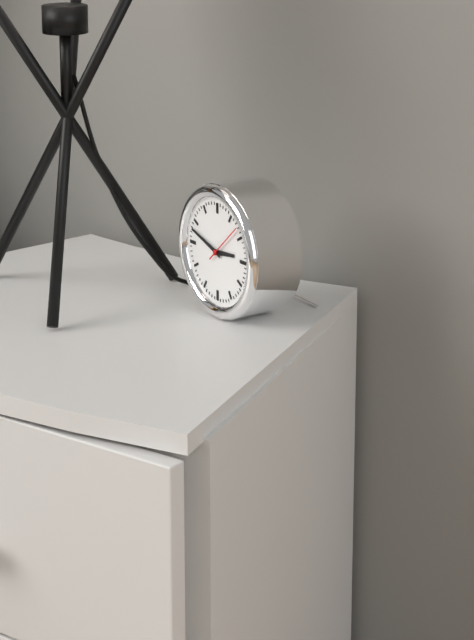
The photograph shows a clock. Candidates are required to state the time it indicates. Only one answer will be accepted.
2:48
